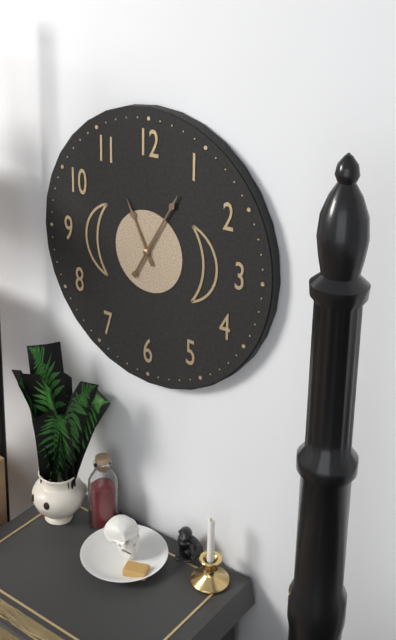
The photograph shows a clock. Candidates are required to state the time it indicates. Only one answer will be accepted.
11:05
